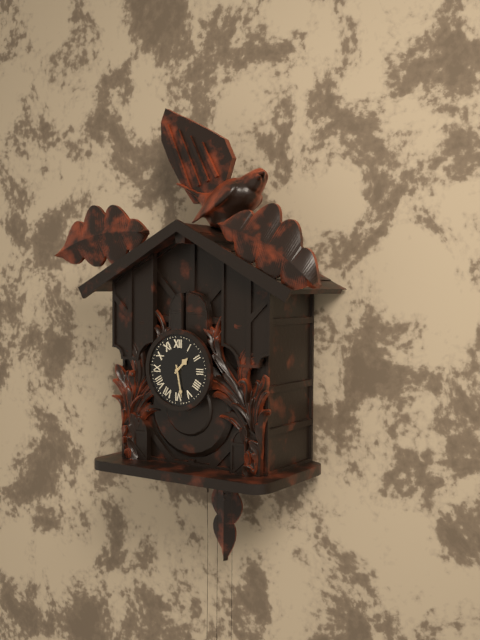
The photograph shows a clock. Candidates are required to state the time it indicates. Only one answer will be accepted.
1:28
